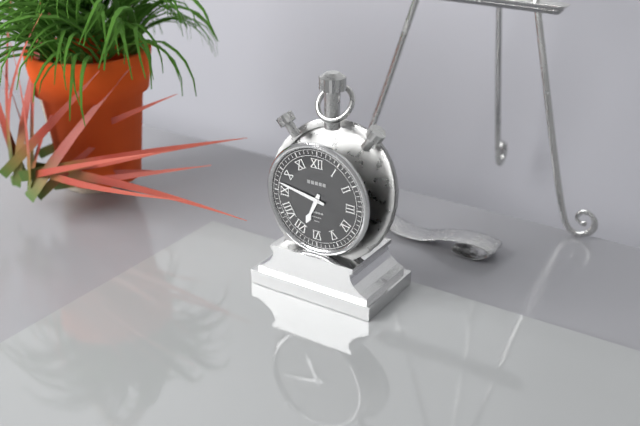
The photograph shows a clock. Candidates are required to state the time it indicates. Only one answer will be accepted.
6:47
